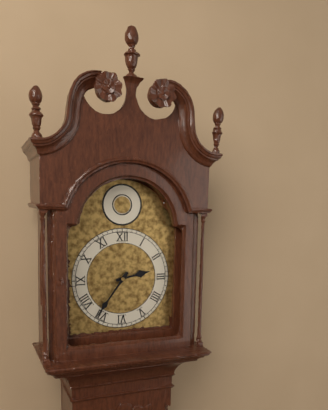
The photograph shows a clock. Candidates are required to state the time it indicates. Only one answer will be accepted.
2:36
